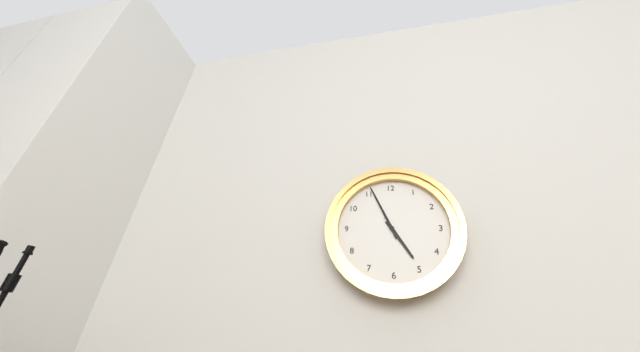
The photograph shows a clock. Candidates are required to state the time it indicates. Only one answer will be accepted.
4:56
